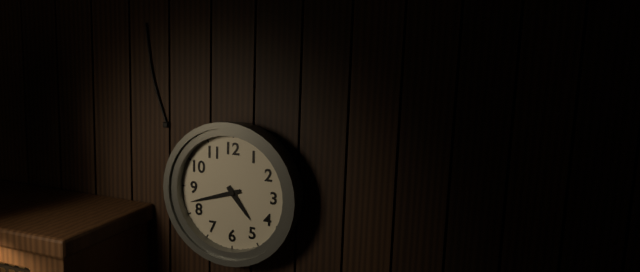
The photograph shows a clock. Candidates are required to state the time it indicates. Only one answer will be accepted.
4:42
